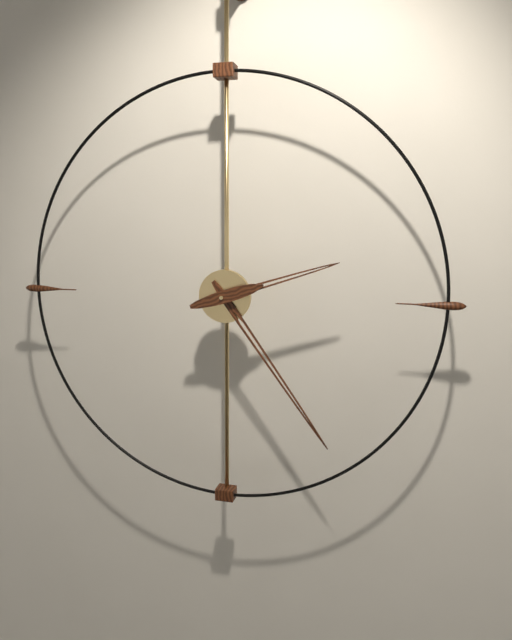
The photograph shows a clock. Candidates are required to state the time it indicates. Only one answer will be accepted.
2:24
